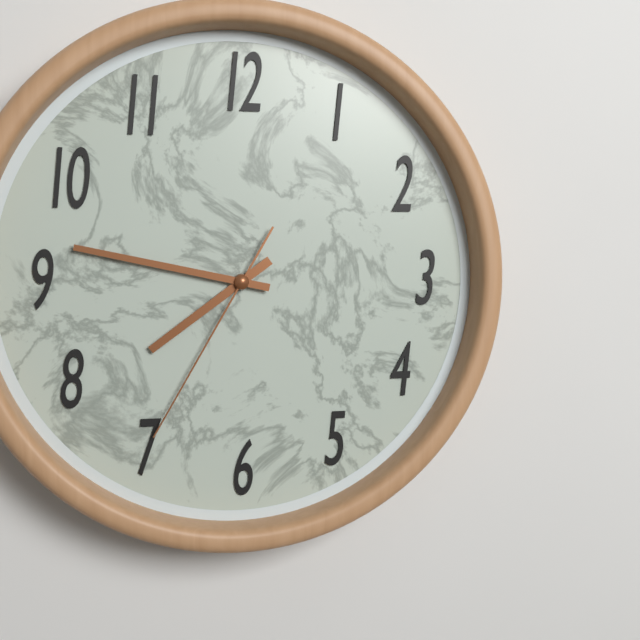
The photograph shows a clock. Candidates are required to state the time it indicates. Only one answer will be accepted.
7:47:35
